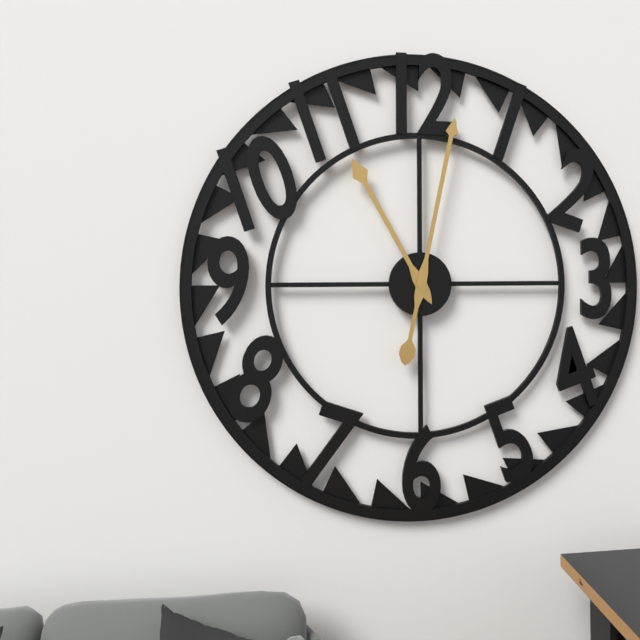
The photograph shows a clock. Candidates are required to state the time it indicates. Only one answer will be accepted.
11:02
